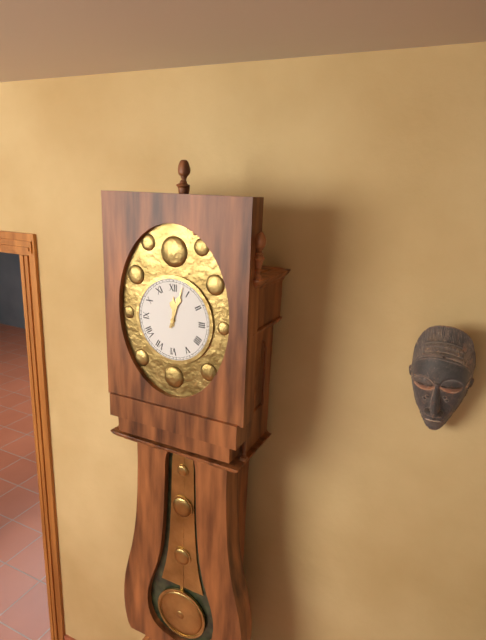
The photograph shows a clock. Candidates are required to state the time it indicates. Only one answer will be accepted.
12:03
